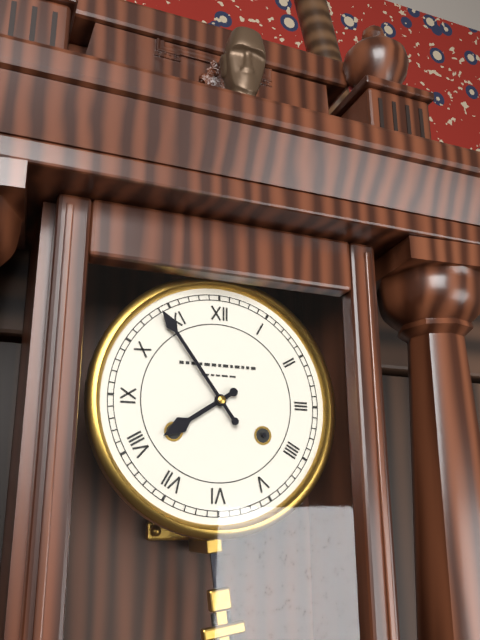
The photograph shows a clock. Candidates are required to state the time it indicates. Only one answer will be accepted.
7:54
